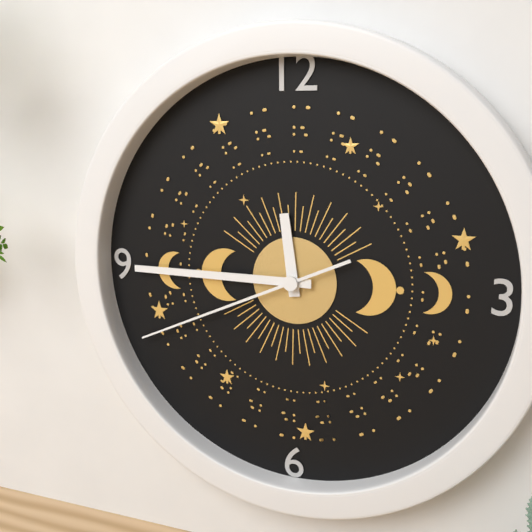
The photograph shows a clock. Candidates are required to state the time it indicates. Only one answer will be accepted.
11:45:41
